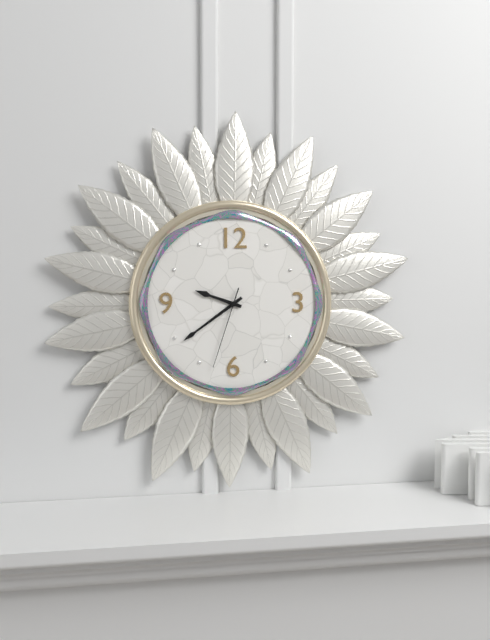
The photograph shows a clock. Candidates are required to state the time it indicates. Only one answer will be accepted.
9:39:33
